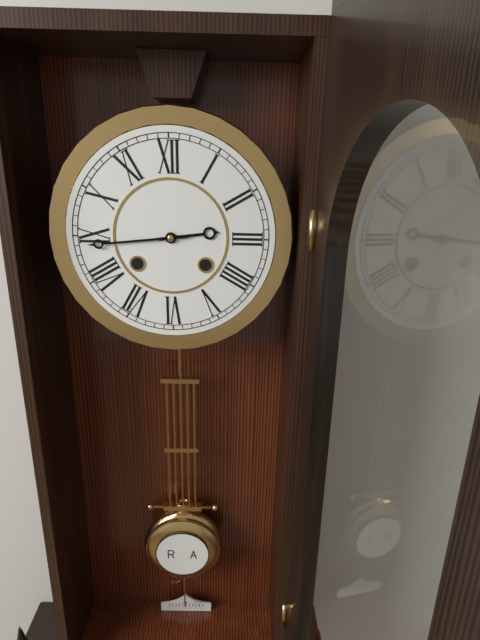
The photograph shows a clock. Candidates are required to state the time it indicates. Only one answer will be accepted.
2:44
